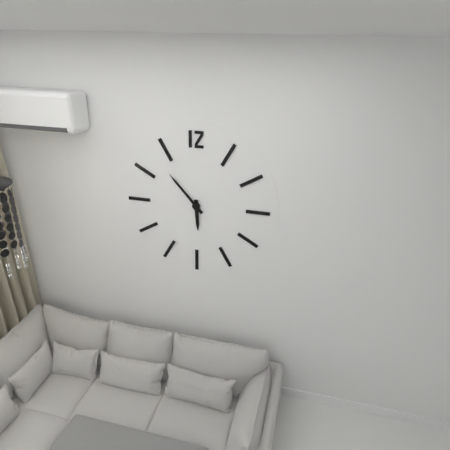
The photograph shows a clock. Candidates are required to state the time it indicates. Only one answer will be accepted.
5:53
